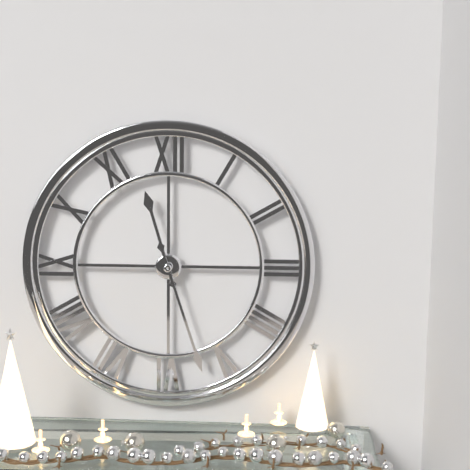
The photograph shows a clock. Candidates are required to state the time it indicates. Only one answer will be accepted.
11:27
